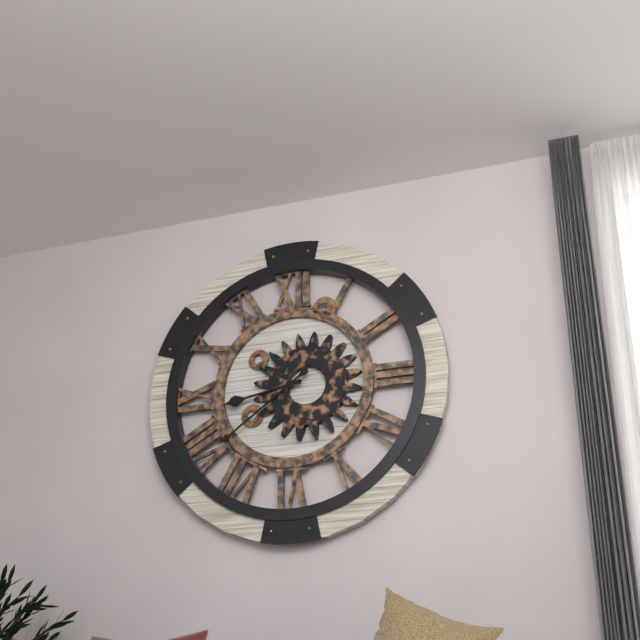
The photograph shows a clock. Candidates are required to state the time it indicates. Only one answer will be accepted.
8:39
